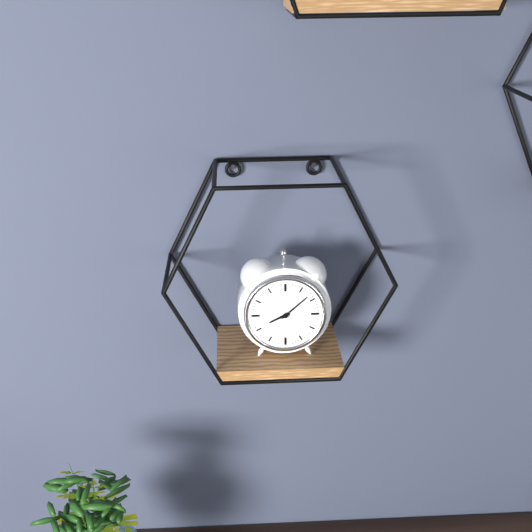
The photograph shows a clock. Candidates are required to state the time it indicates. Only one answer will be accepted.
8:08
